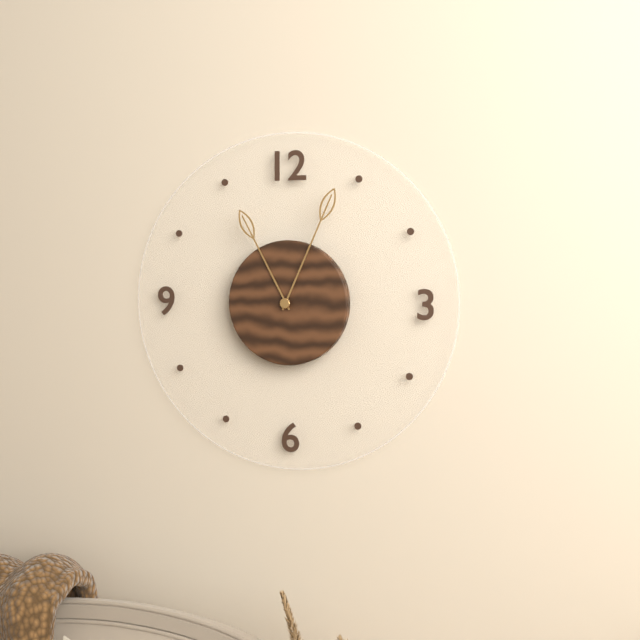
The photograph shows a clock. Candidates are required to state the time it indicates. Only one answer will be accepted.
11:04
